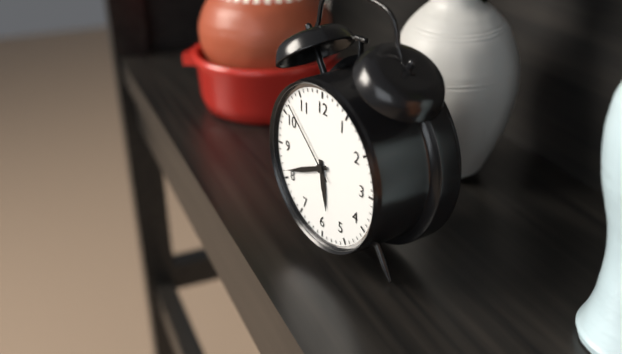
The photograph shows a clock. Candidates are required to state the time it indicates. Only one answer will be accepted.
5:41:52
